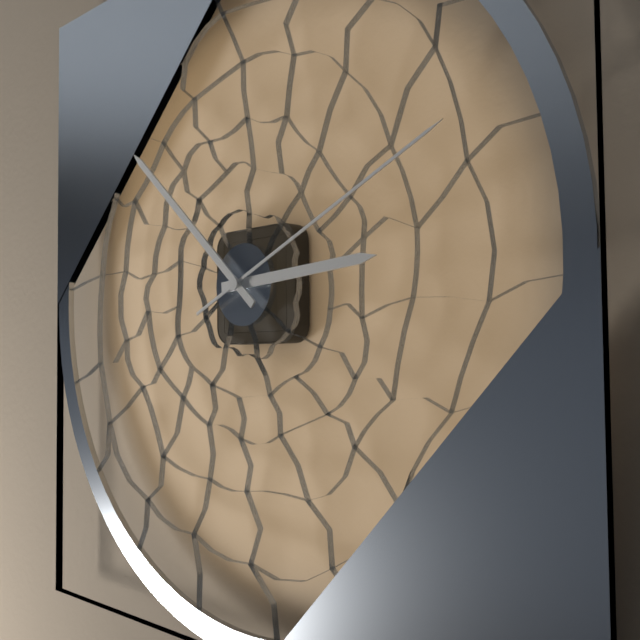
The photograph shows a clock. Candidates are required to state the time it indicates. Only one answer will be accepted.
2:52:11
